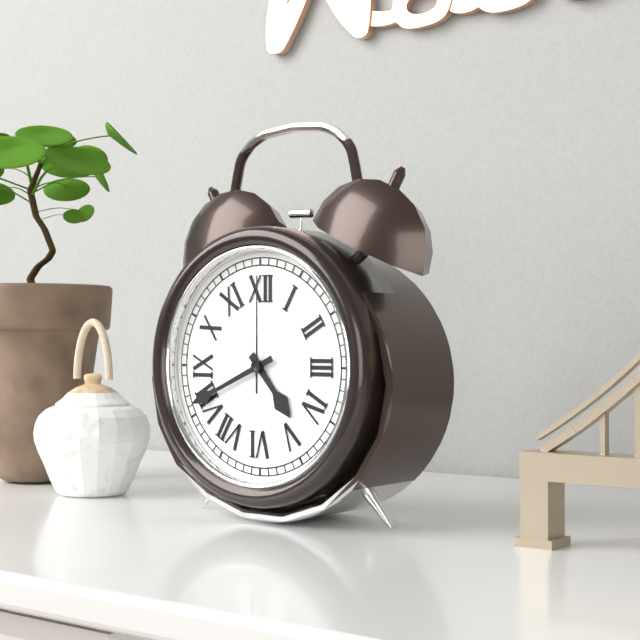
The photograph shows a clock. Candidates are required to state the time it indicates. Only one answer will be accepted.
4:41:00
